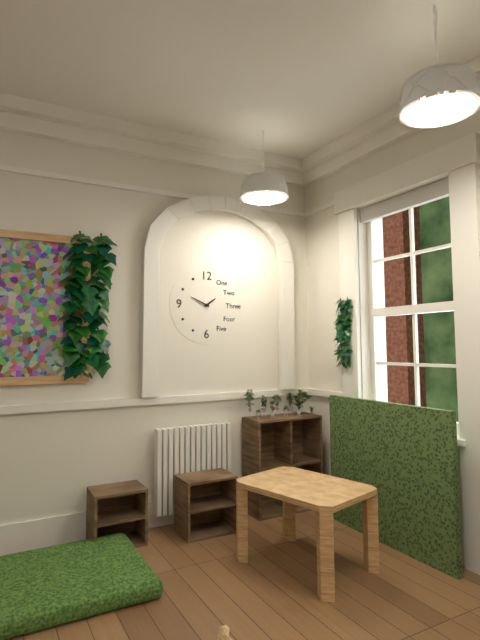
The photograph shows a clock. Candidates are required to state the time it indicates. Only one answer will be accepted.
1:49
